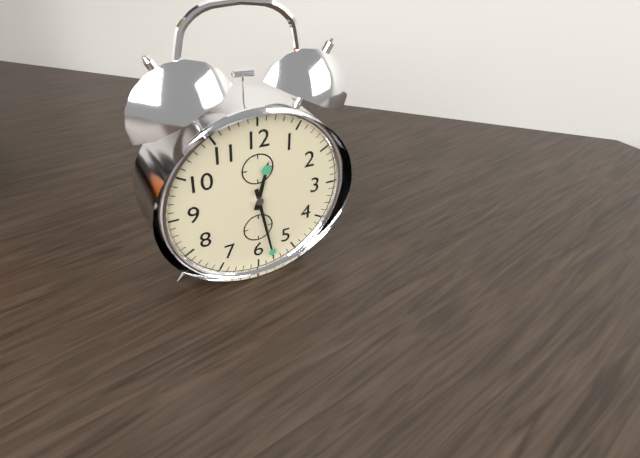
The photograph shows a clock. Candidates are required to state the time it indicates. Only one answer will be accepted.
12:28
